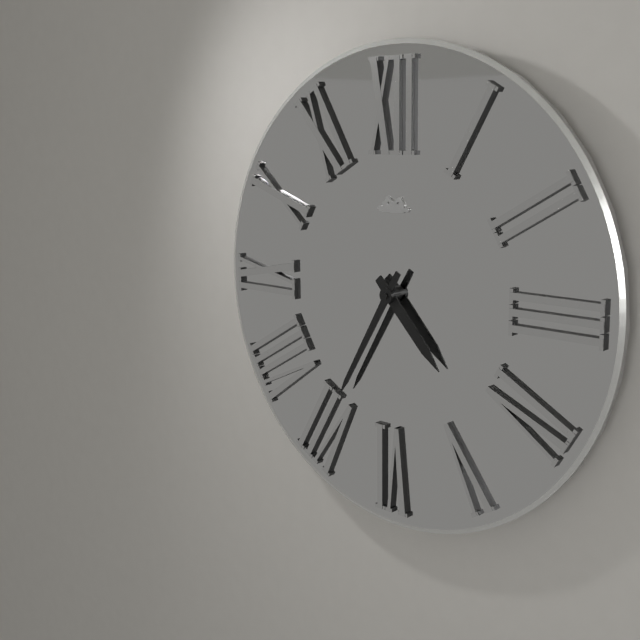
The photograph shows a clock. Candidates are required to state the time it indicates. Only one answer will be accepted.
4:35
